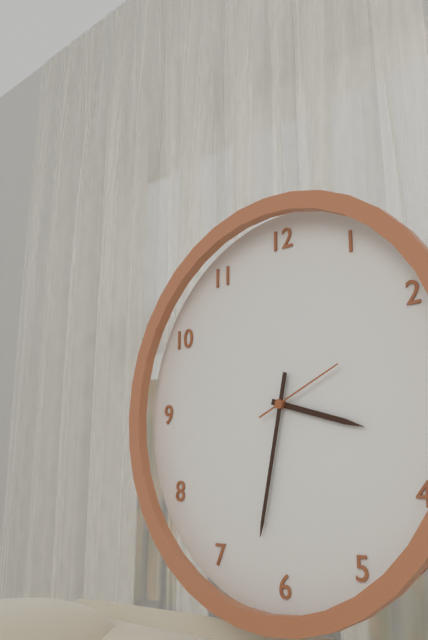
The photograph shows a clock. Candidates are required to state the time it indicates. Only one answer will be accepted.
3:32:11
